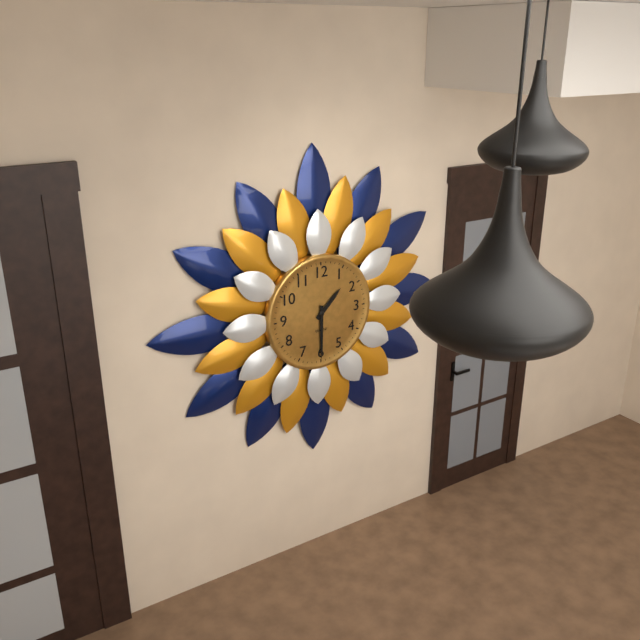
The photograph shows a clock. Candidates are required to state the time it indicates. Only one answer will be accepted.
1:30
